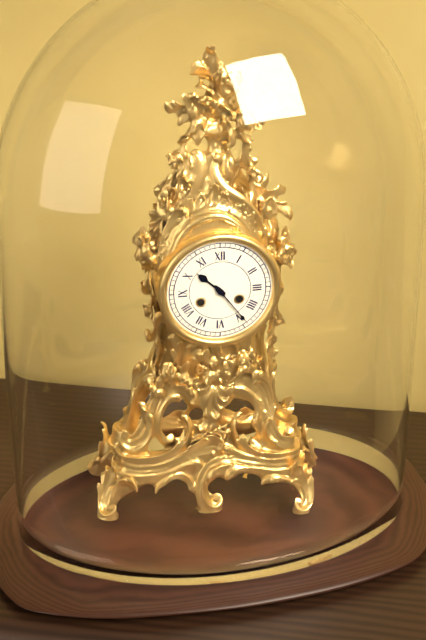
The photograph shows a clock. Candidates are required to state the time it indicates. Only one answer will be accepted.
10:24
